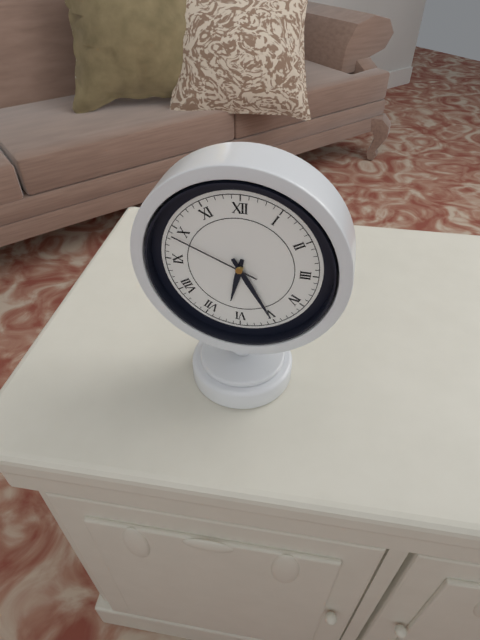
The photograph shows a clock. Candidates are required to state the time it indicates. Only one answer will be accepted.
6:25:49
